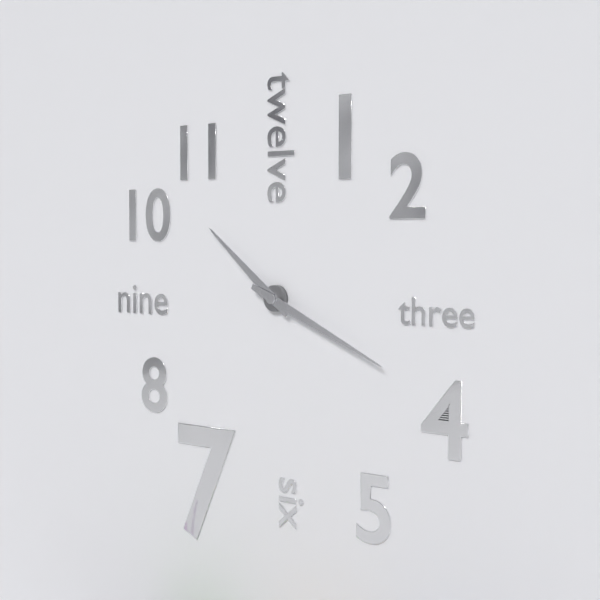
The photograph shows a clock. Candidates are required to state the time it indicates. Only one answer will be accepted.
10:19
